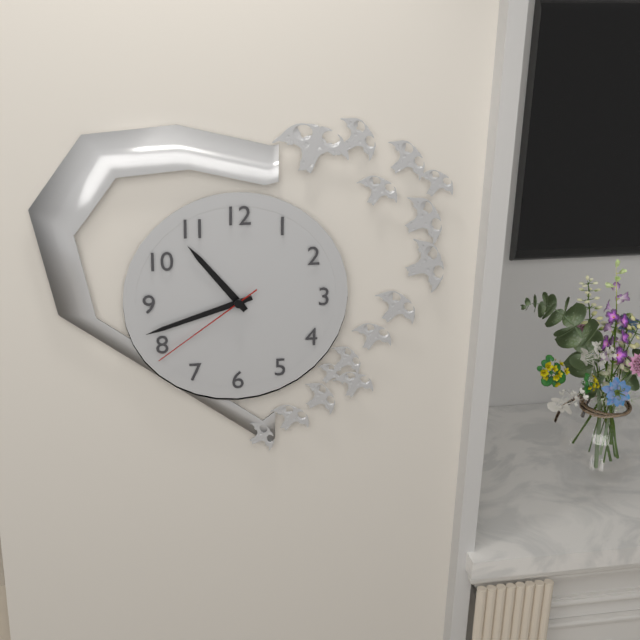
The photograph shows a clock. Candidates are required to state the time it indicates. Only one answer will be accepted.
10:42:39
